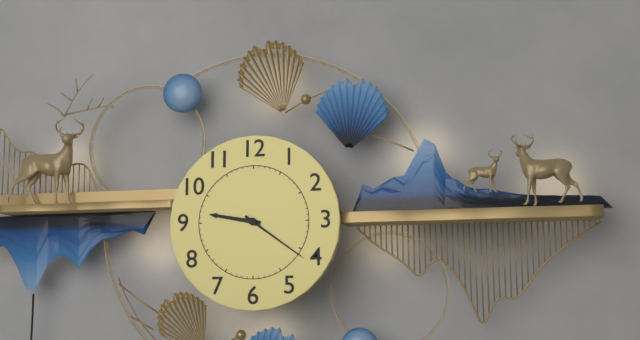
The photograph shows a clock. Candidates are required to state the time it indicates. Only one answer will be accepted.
9:21
